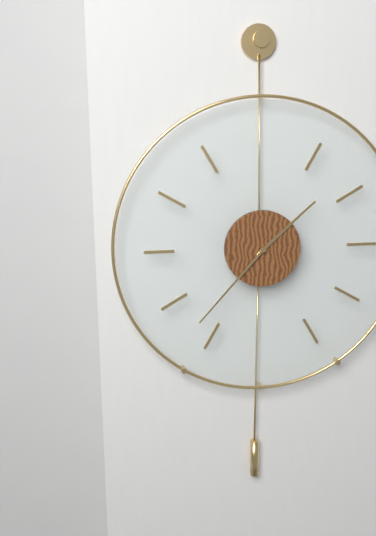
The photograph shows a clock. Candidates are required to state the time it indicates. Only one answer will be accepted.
1:37
